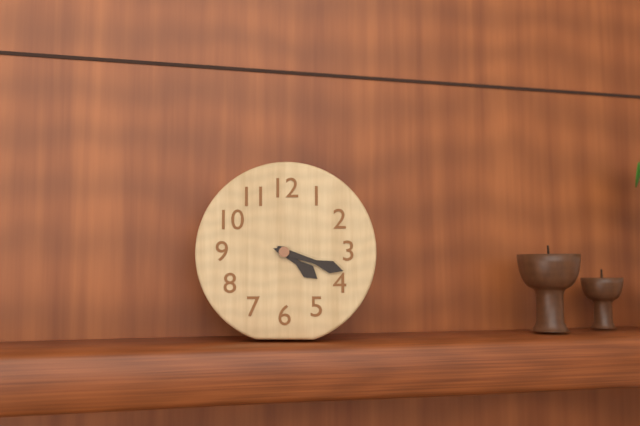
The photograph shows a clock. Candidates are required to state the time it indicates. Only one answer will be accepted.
4:18
